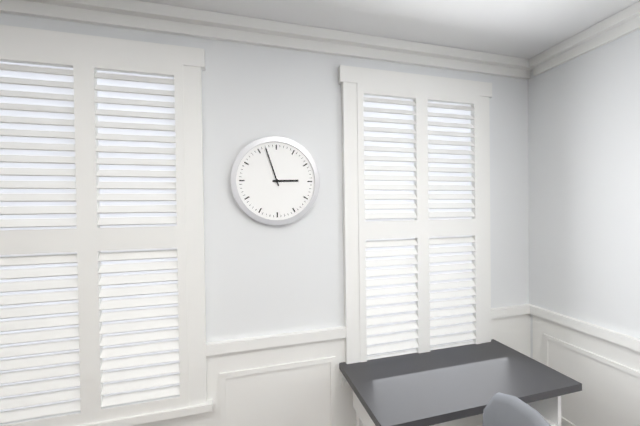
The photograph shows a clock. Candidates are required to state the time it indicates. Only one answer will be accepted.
2:57
